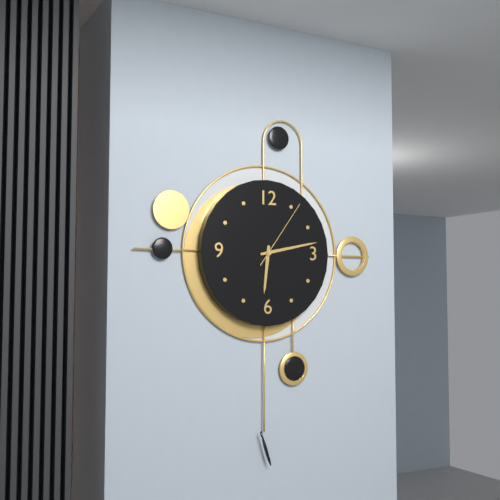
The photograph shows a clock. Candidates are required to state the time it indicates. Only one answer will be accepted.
6:13:06
